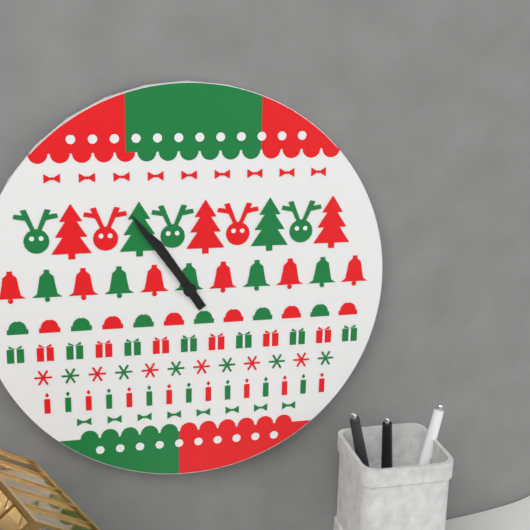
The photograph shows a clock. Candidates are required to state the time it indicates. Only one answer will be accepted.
10:54
